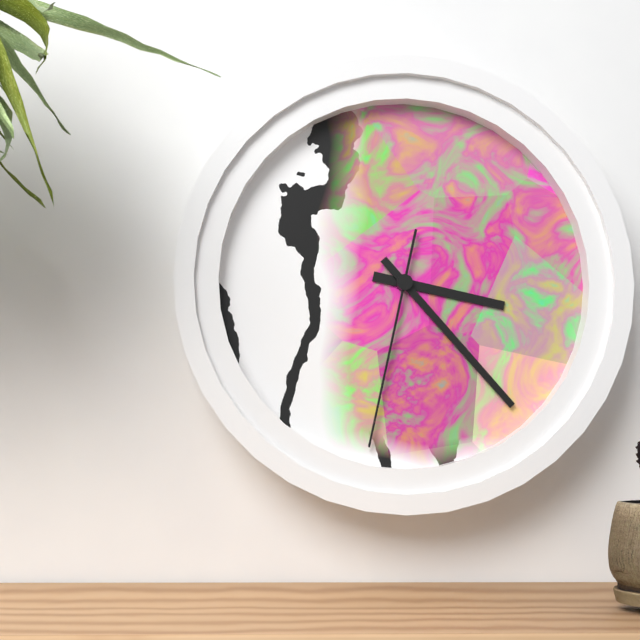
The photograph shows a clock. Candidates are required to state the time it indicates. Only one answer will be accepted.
3:23:32
